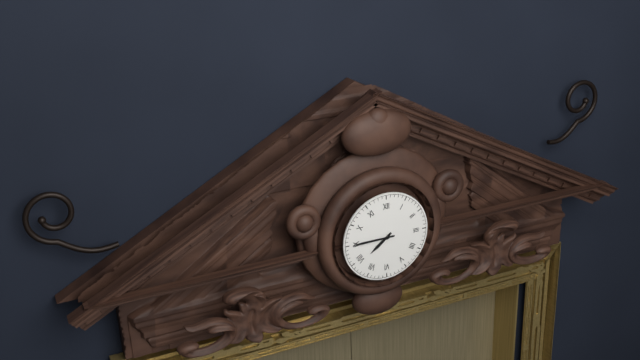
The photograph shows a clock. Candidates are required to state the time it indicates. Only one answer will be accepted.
7:45
